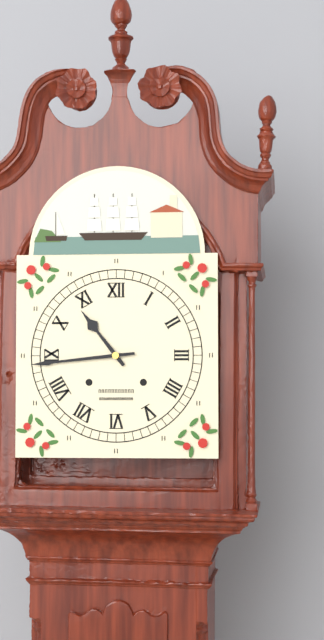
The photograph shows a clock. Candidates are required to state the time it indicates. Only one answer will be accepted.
10:44
